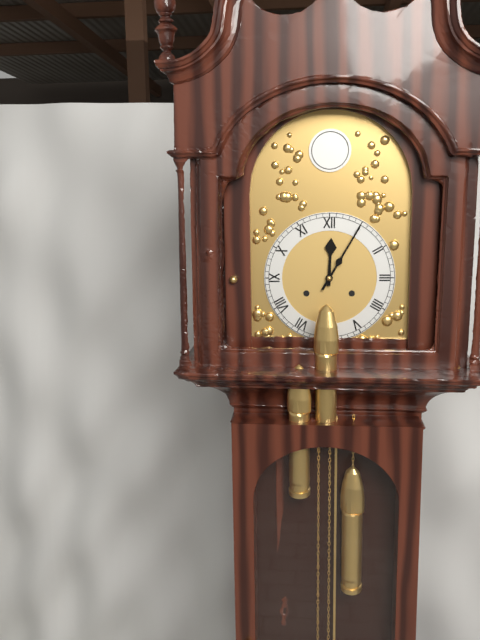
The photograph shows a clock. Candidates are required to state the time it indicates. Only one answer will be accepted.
12:05
